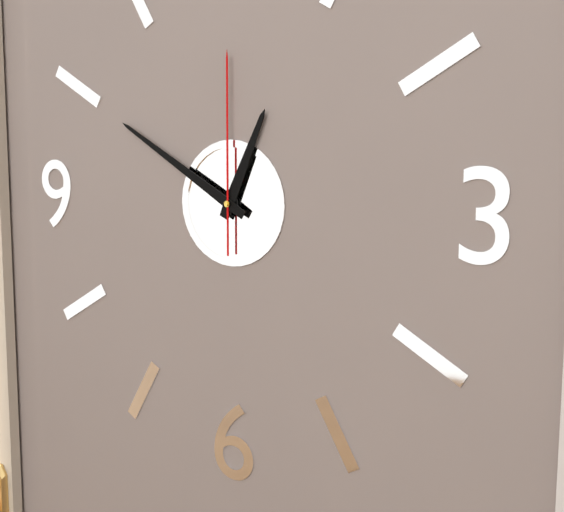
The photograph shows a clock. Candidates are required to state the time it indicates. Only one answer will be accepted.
12:50:00
